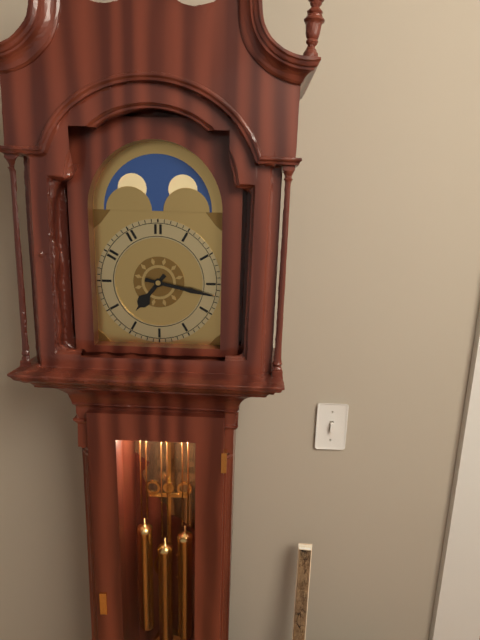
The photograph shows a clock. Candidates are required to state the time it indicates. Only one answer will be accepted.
7:17
